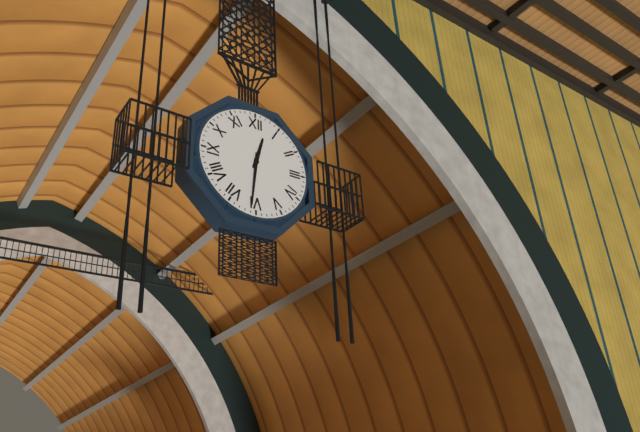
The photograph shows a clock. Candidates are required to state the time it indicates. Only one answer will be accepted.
12:31
